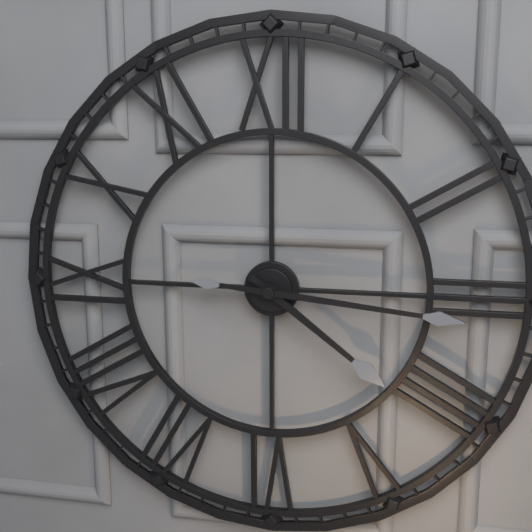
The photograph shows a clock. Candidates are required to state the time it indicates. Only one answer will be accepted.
4:16
